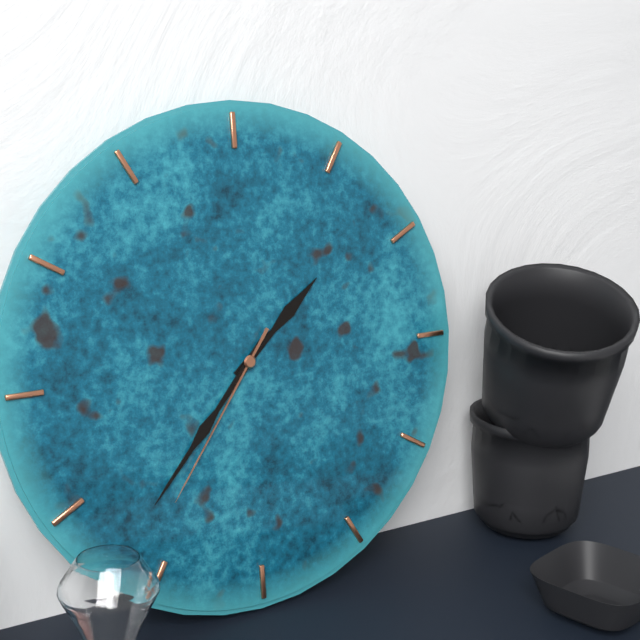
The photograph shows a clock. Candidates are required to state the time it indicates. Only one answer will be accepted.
1:37:36
